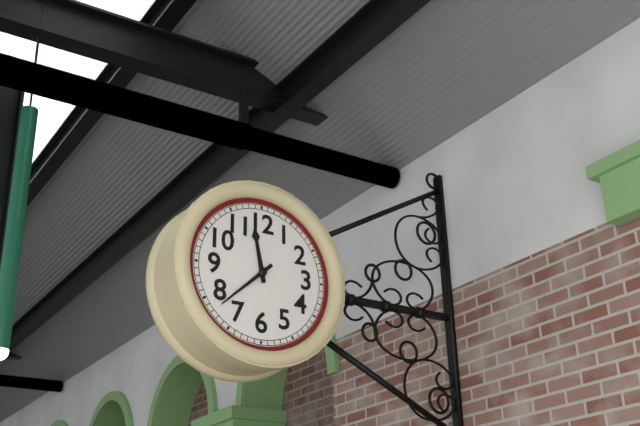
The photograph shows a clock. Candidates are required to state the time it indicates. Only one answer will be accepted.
11:38
